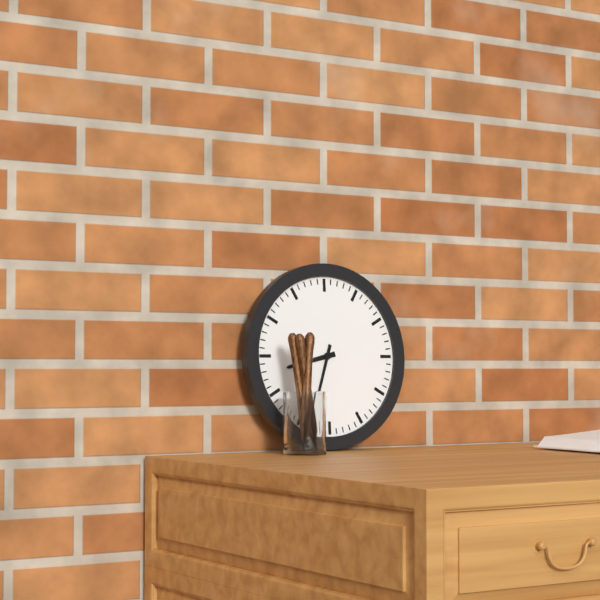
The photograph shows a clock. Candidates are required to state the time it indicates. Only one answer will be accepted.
8:33
